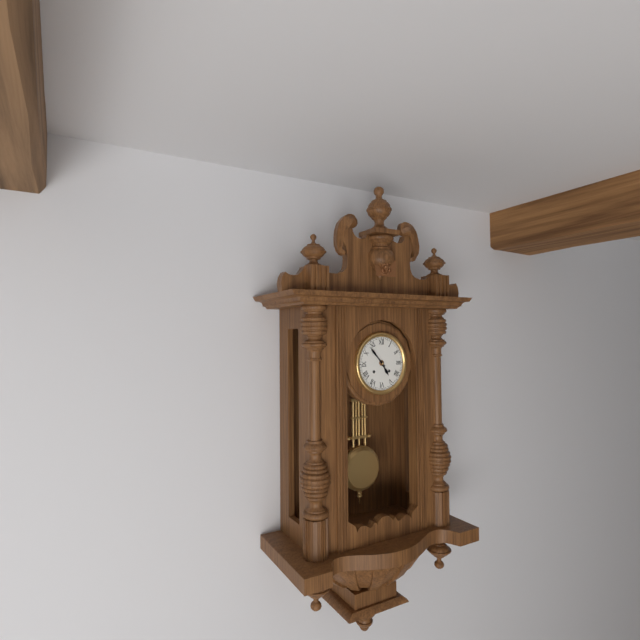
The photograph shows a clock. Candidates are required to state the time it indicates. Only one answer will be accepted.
4:53
